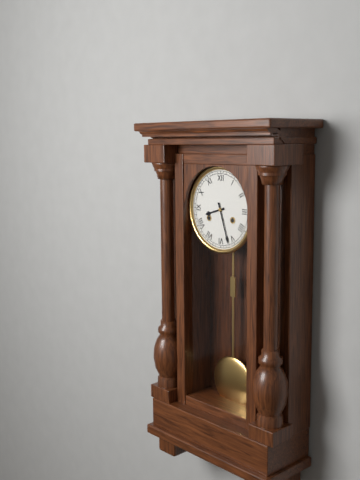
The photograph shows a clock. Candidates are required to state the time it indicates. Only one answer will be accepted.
8:27
